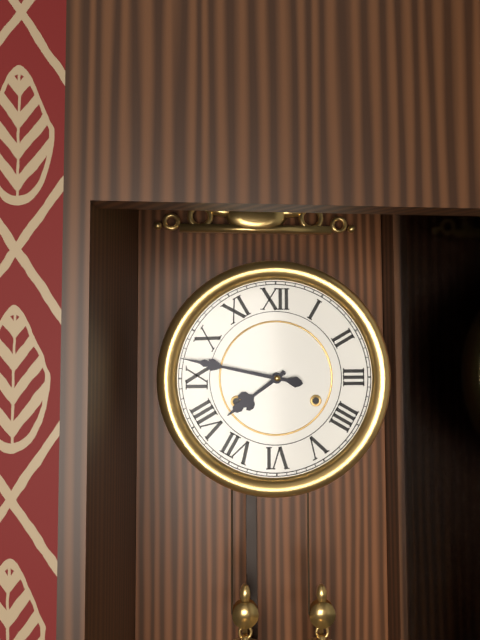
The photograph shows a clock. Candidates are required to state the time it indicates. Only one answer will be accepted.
7:47
